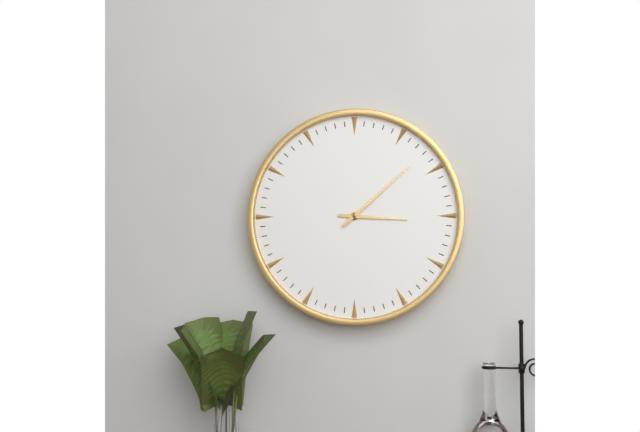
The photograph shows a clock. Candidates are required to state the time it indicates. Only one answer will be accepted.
3:08
